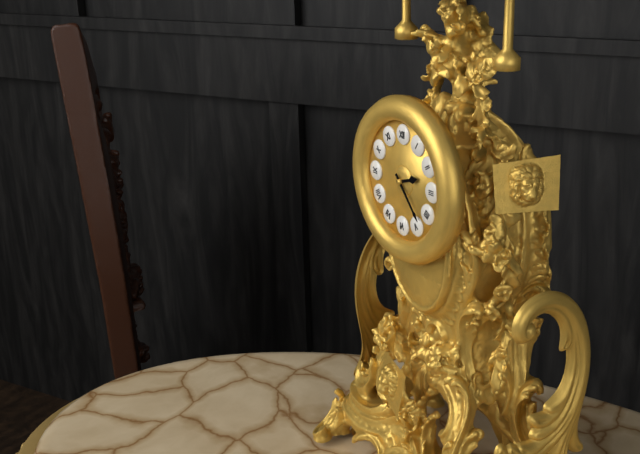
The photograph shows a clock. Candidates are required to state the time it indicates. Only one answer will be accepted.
2:23
